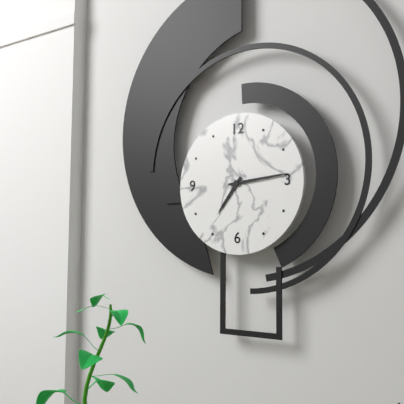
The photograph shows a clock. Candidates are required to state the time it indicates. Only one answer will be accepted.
7:14
